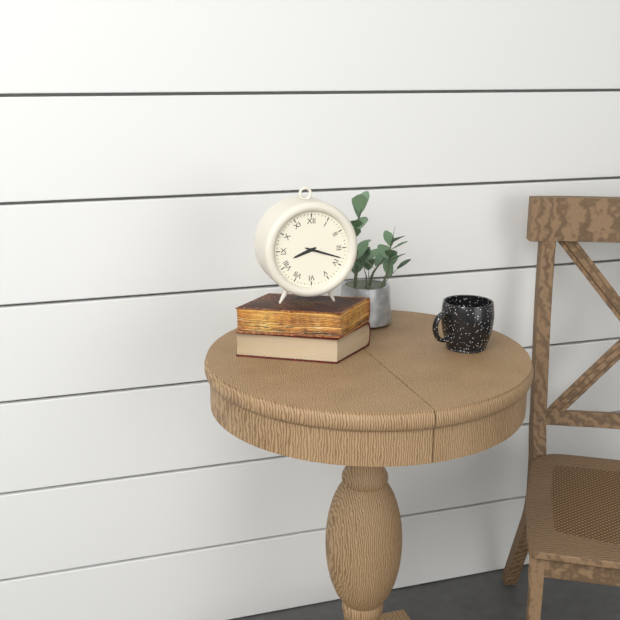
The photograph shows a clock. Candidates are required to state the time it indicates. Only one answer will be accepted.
8:18
